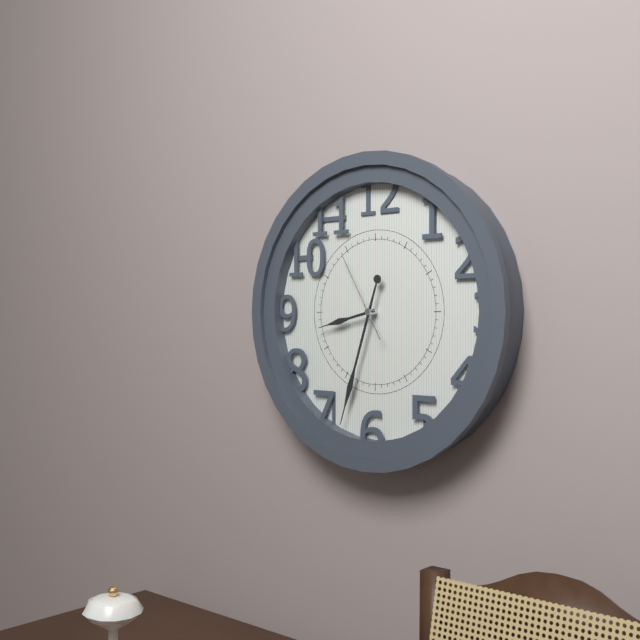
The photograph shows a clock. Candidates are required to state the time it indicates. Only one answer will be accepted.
8:33:55
